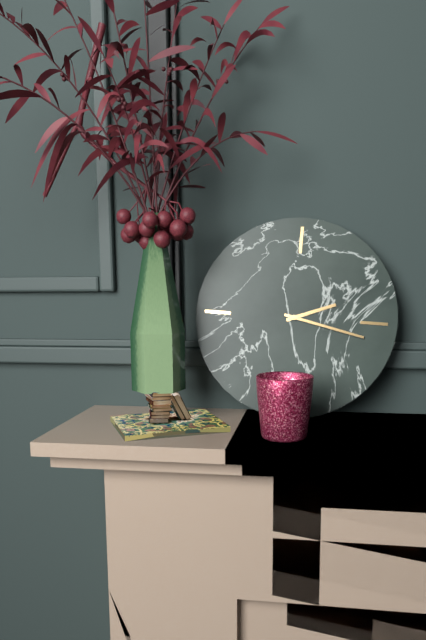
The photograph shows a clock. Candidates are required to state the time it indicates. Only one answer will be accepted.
2:17
